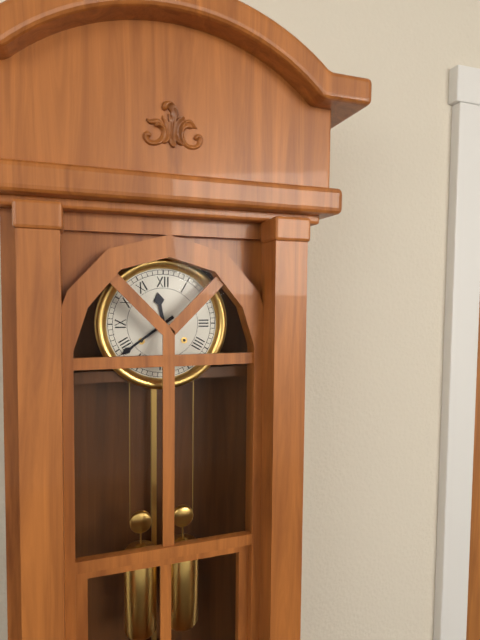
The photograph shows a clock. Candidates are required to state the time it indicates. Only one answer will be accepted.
11:39
